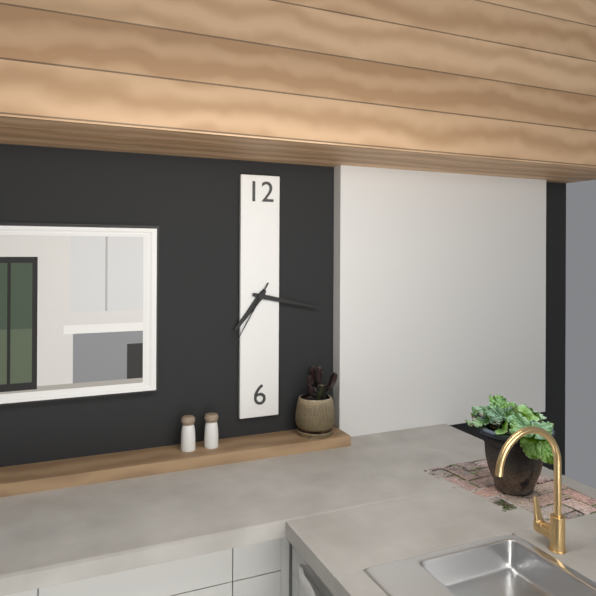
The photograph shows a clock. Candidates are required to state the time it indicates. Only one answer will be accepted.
7:17:35
